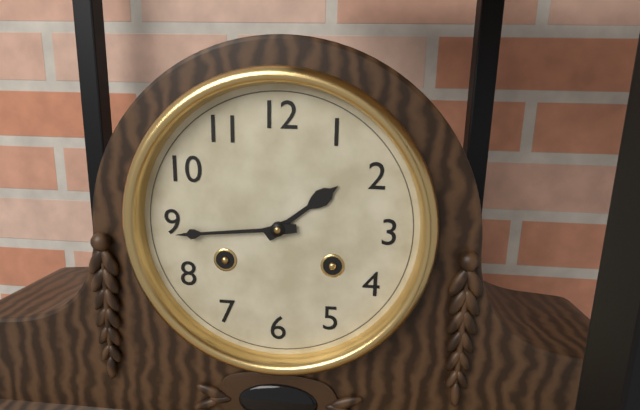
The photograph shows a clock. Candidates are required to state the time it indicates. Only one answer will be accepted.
1:44
